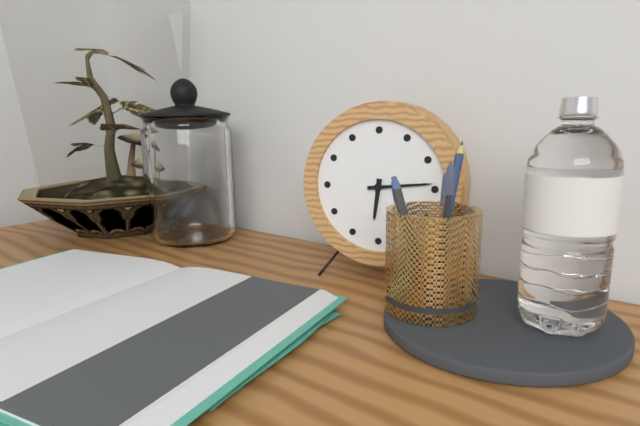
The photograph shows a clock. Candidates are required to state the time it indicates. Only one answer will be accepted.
6:14
